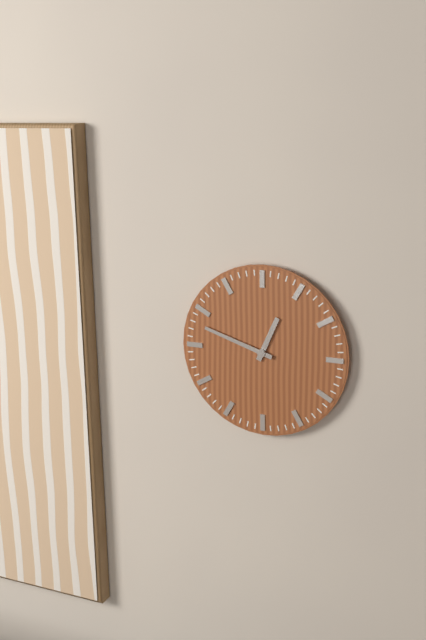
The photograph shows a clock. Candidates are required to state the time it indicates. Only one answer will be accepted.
12:48
